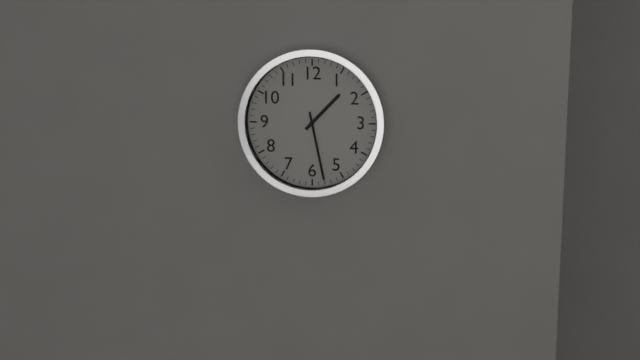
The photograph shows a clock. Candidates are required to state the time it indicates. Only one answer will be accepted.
1:28
